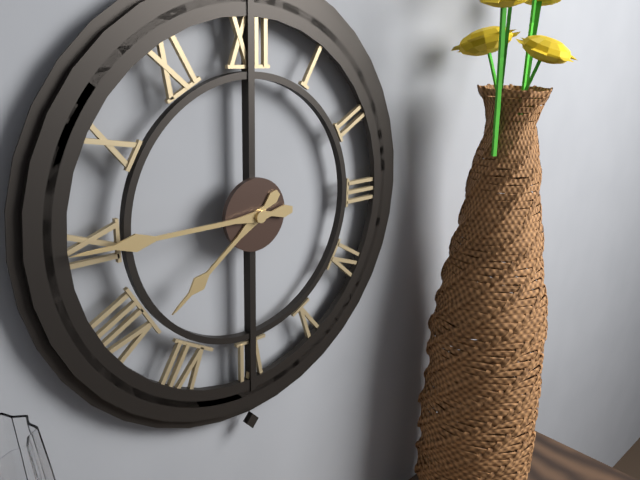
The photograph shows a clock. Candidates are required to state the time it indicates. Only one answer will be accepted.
7:45
